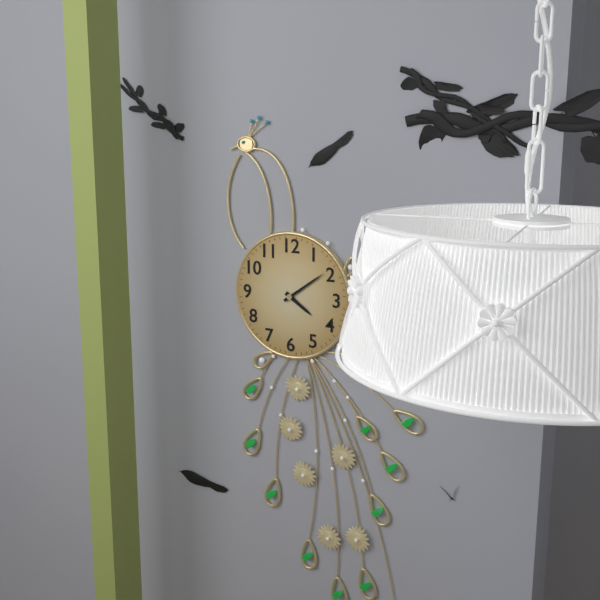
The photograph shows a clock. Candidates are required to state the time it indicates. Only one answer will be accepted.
4:09
